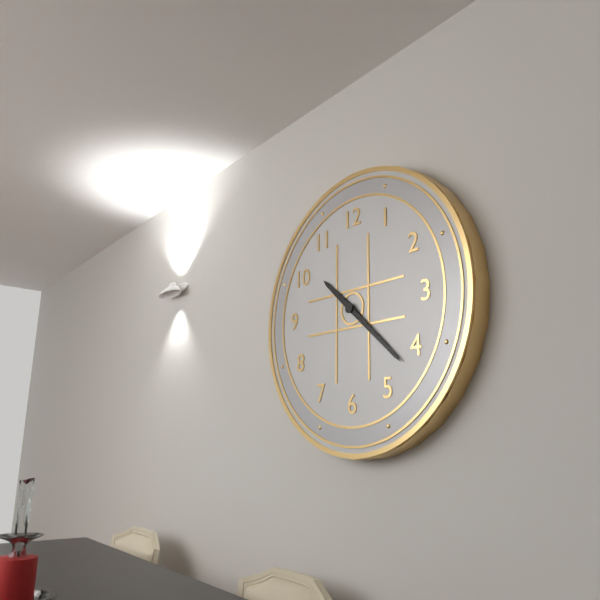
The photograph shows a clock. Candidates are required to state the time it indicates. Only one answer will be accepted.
10:22
